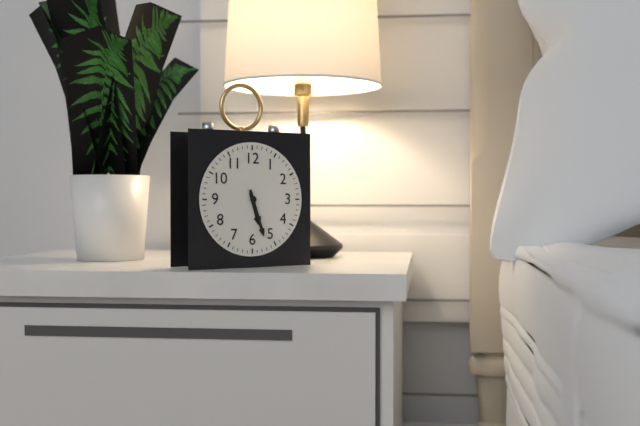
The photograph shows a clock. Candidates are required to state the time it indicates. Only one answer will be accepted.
5:27
